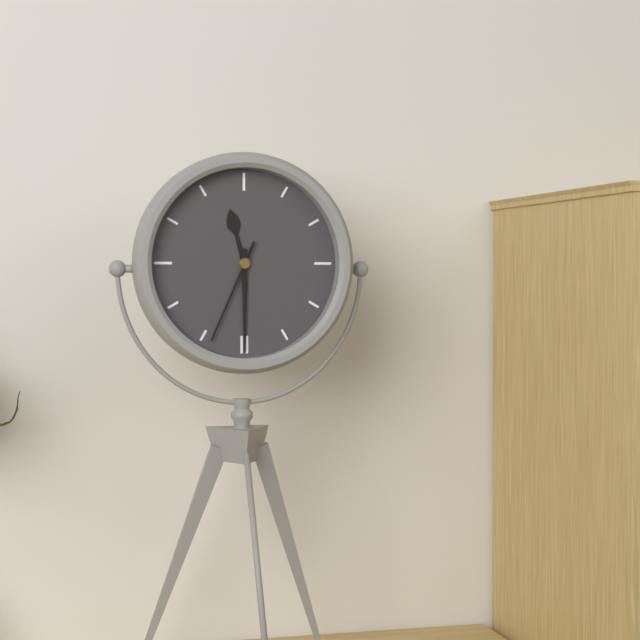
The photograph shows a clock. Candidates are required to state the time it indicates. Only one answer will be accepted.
11:30:34
